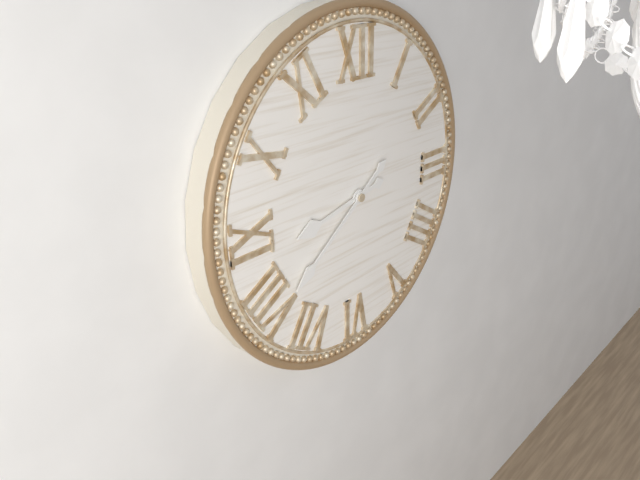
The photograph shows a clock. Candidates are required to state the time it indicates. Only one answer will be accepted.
8:39
